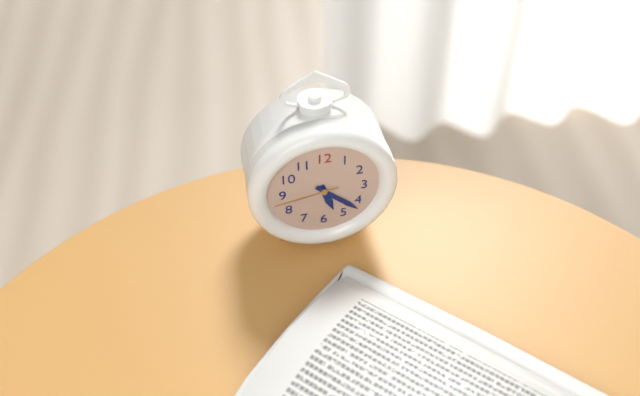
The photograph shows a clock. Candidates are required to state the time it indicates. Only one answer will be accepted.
5:22:43
